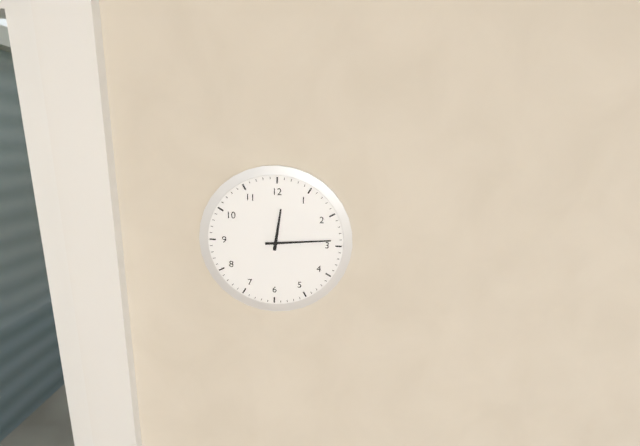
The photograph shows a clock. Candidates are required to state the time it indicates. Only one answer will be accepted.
12:14
